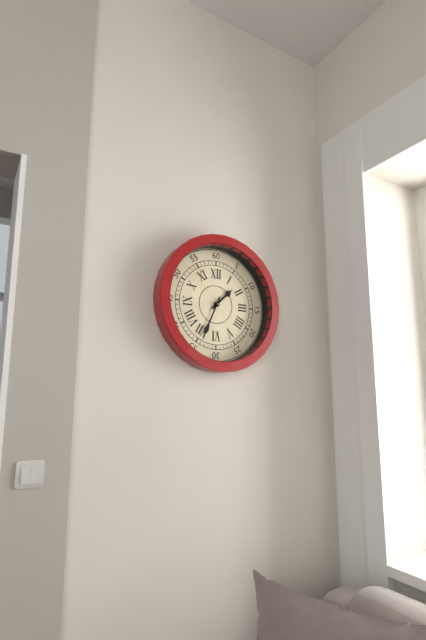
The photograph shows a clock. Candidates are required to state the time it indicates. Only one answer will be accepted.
1:34:53
